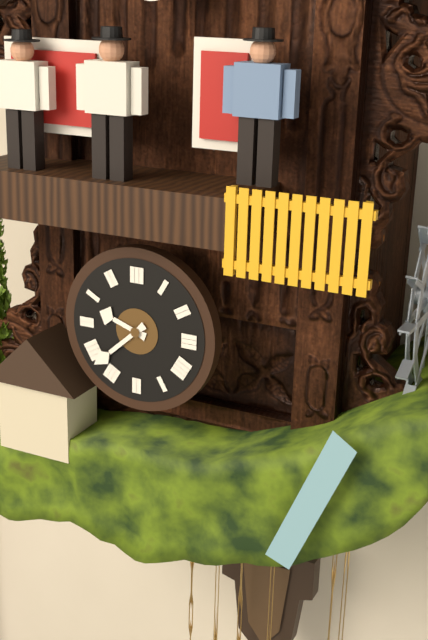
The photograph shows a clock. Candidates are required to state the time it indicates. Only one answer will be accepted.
9:38
